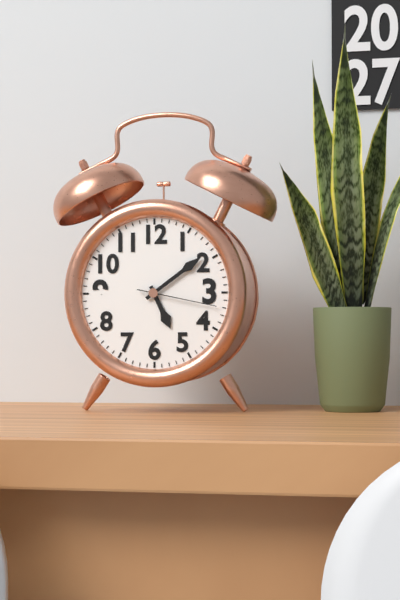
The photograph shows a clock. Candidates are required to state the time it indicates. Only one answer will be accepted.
5:09:17
